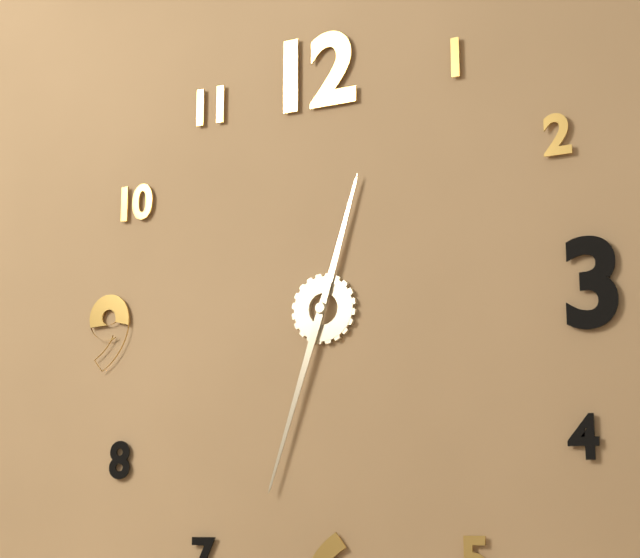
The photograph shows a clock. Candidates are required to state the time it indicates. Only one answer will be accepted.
12:33
